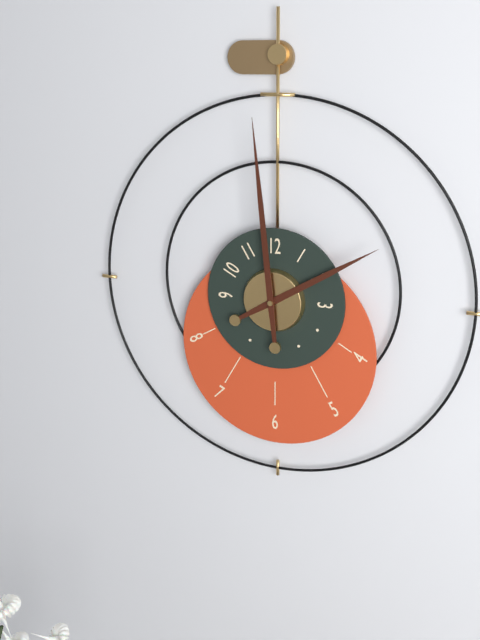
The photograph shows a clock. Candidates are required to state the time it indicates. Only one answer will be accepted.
1:59
